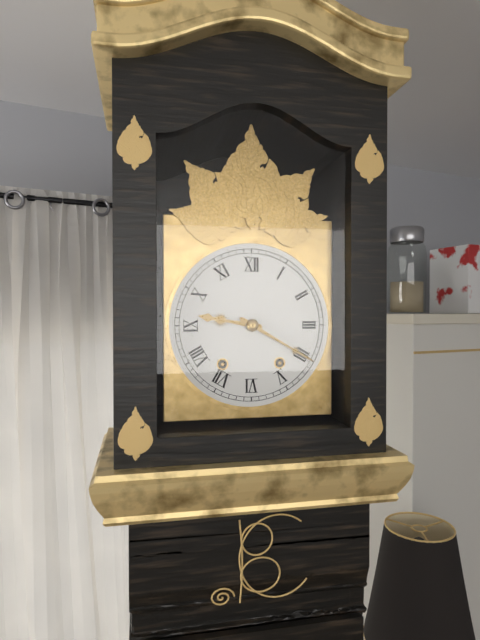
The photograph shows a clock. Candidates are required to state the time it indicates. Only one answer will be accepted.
9:20
